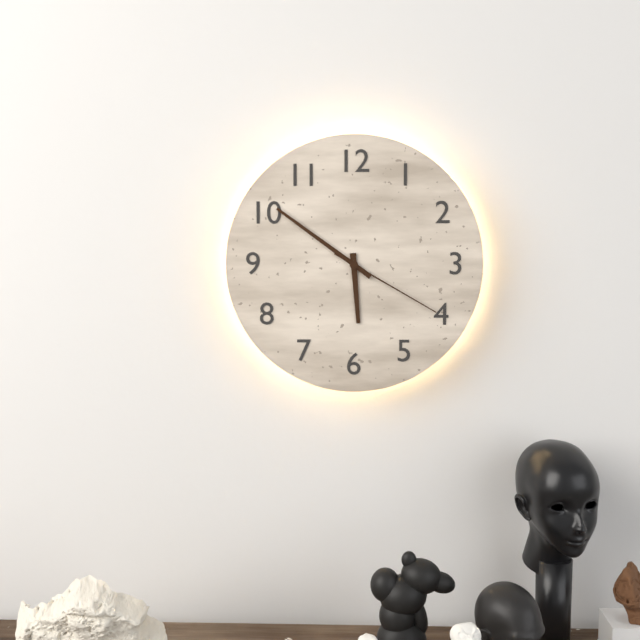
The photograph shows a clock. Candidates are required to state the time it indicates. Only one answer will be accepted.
5:51:20
